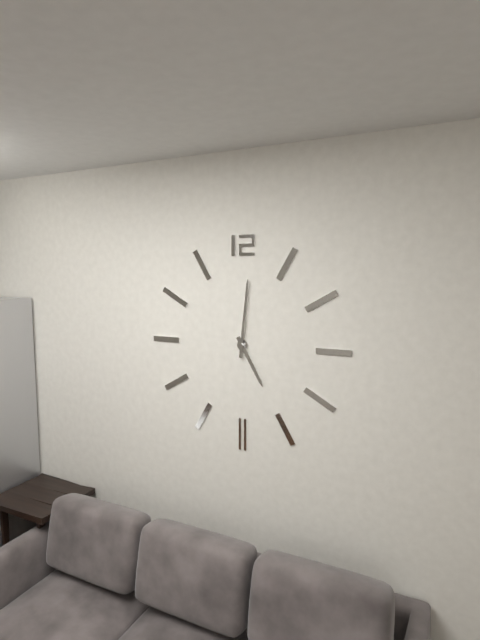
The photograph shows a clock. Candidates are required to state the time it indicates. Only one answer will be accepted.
5:01
